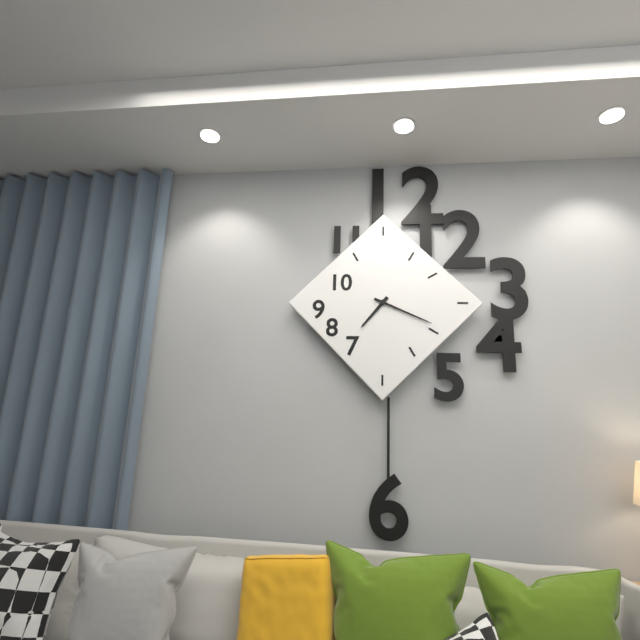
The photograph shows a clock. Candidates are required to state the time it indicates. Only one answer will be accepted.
7:19
